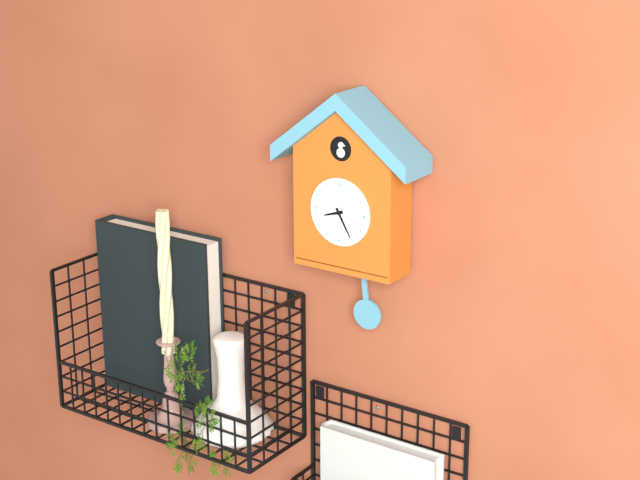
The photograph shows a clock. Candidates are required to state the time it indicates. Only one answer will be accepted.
8:25
